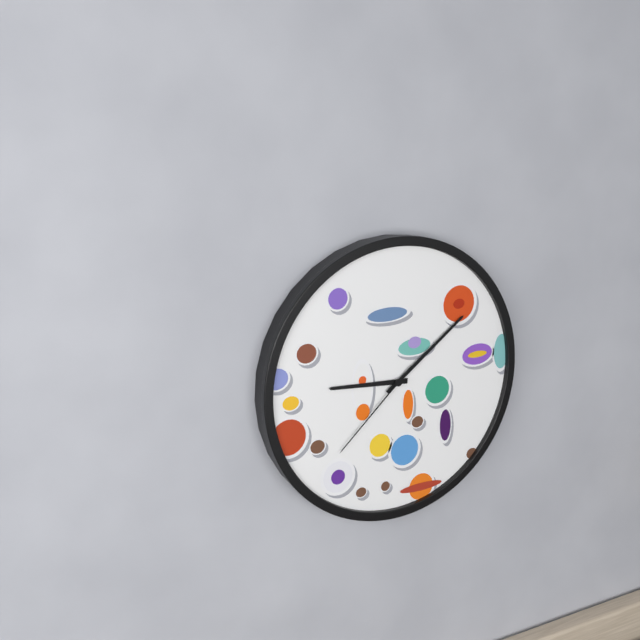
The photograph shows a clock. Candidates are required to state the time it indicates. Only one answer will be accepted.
9:09:38
